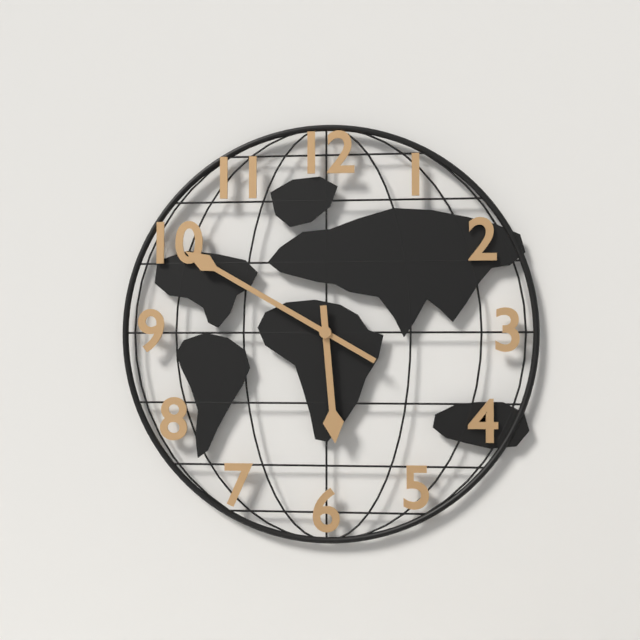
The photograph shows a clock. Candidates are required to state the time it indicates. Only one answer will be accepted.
5:50
